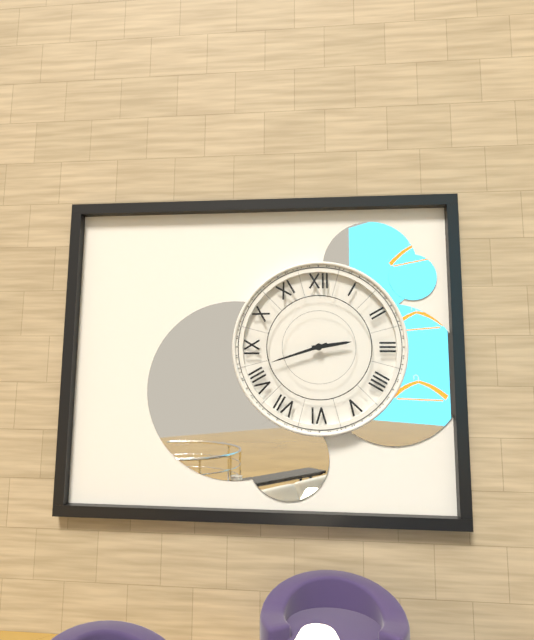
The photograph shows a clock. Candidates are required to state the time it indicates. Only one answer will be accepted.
2:42
